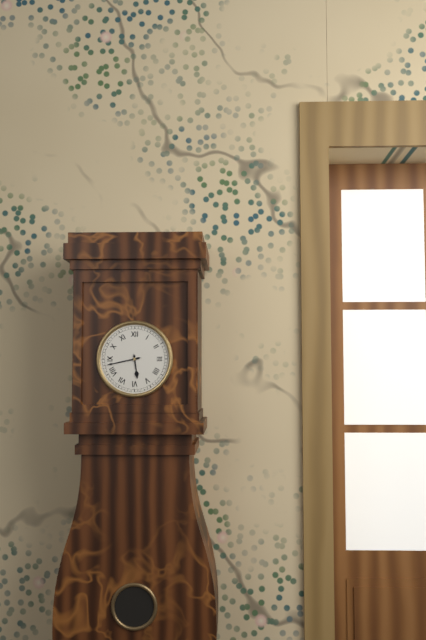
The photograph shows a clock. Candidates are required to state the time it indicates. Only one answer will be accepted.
5:43
